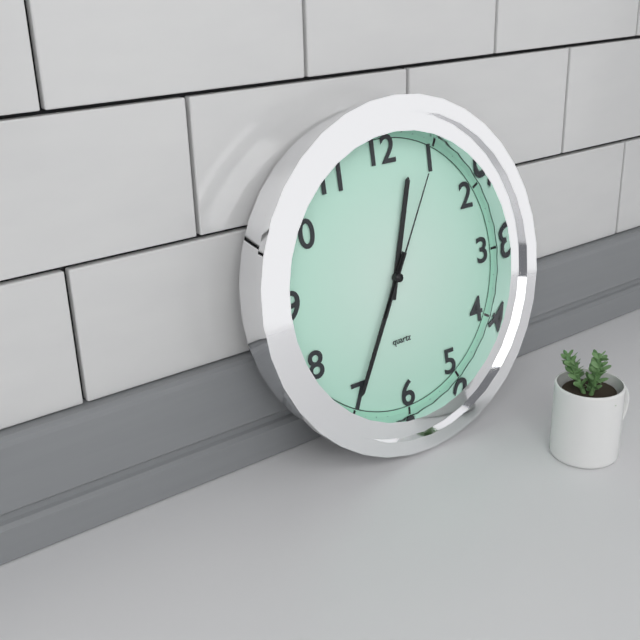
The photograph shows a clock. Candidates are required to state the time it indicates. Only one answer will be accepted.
12:35:05
